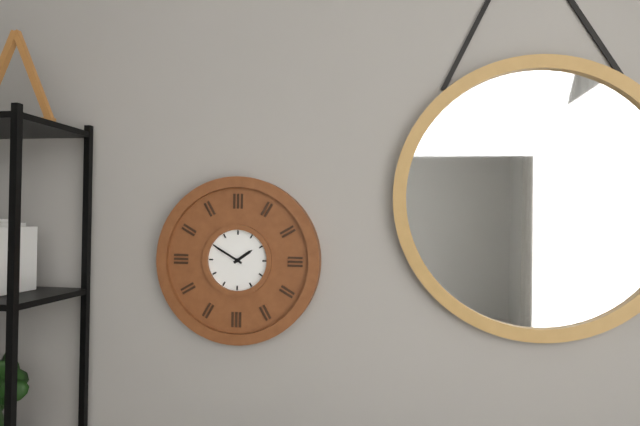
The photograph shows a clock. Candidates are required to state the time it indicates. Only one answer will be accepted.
1:50
